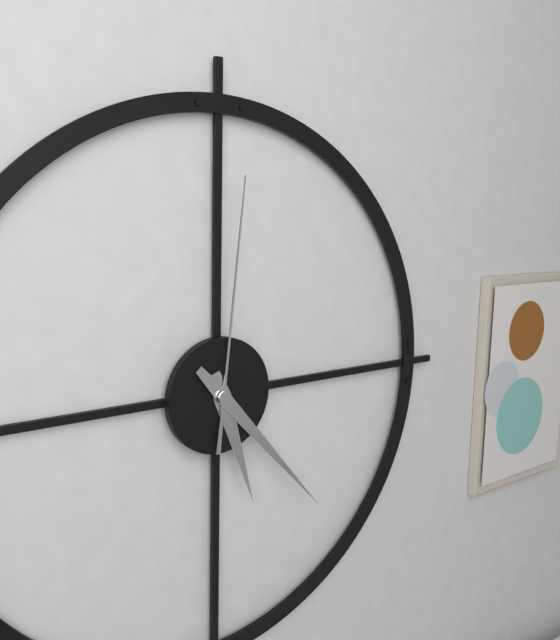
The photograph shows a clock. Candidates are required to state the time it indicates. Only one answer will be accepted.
5:23:01
